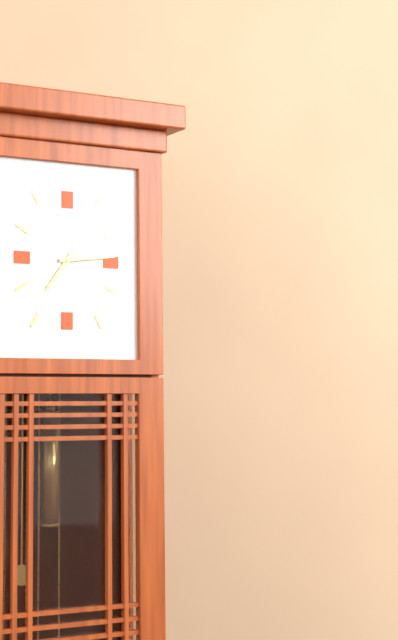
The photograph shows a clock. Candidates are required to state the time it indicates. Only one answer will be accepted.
7:14
